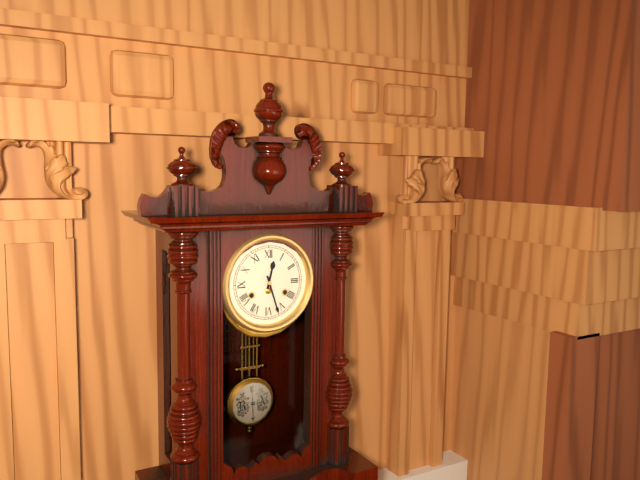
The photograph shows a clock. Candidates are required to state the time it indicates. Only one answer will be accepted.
12:27
